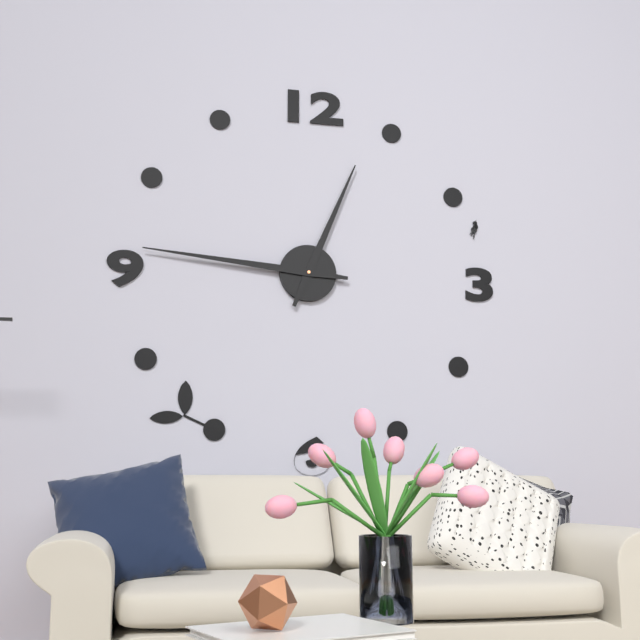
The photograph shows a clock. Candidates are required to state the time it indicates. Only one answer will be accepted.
12:46
